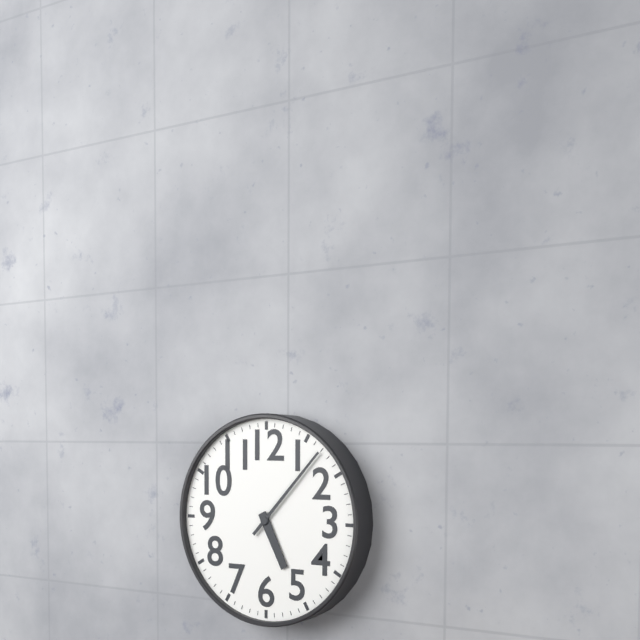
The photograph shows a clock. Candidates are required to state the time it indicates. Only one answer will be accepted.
5:07
